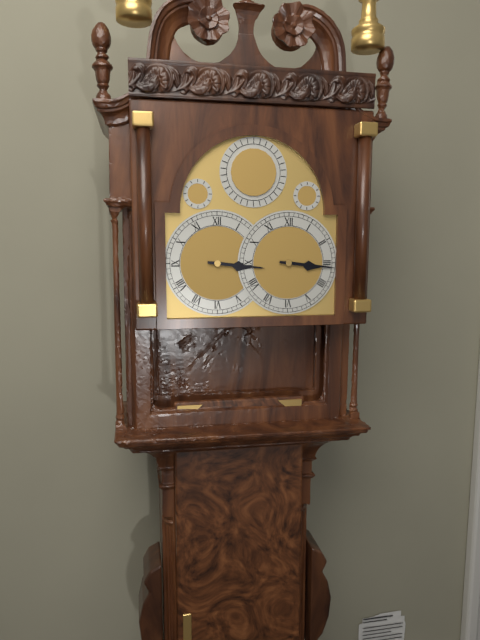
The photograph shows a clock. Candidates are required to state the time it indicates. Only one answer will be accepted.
3:16
